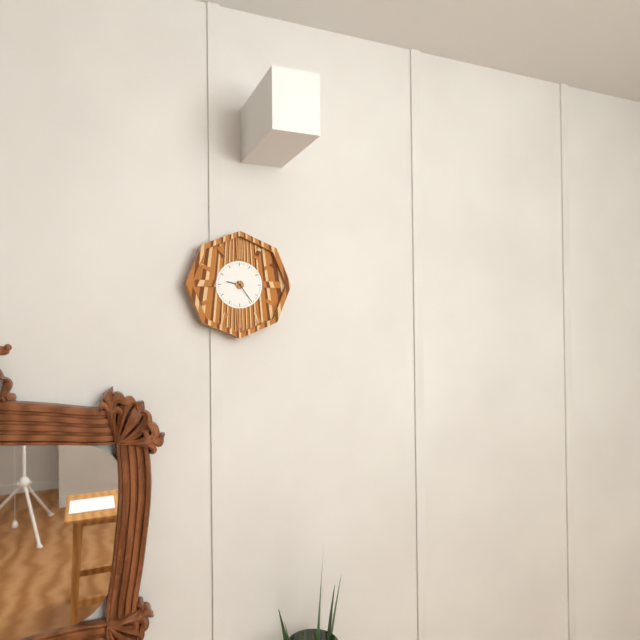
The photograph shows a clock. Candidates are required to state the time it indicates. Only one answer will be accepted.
9:24
